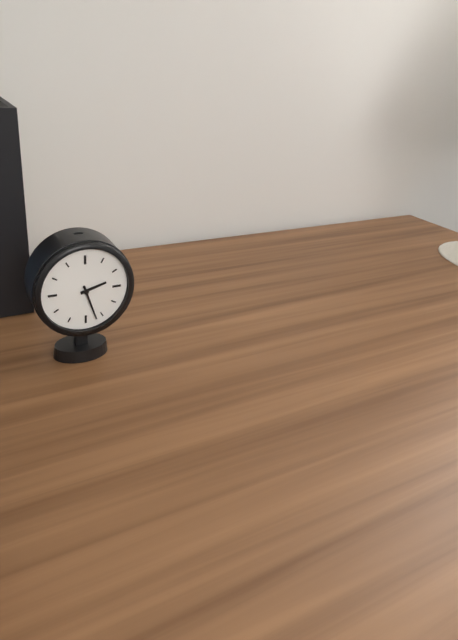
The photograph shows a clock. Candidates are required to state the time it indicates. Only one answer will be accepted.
2:27
